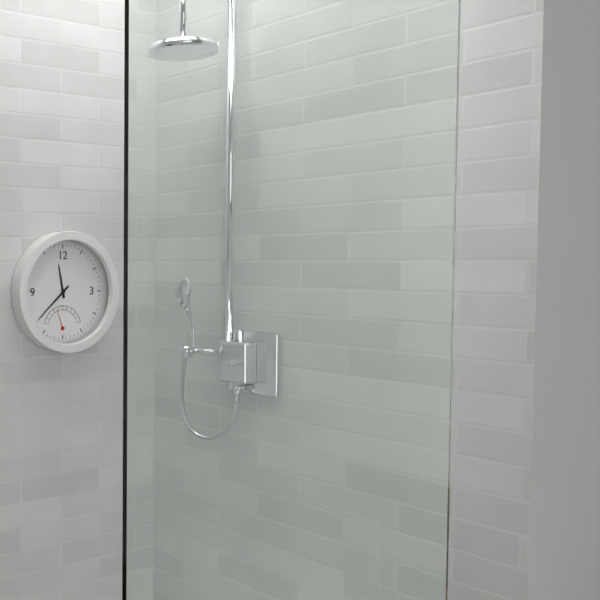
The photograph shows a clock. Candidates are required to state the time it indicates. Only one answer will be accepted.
11:38
